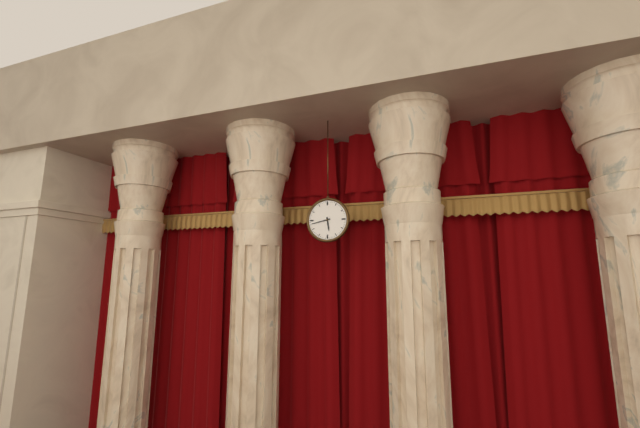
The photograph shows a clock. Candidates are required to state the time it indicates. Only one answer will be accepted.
5:43
